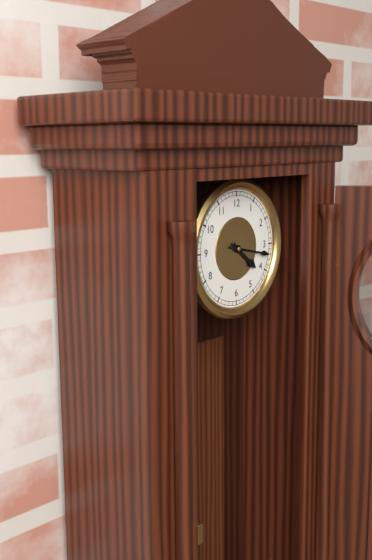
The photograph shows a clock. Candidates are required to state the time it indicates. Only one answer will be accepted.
4:17
